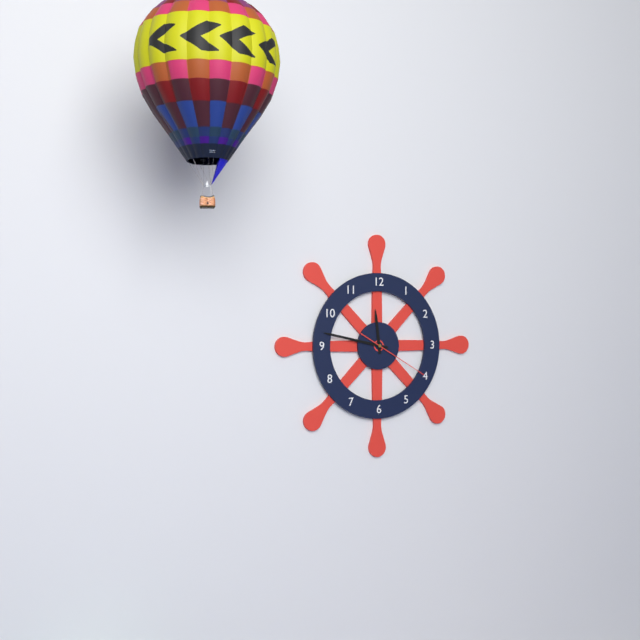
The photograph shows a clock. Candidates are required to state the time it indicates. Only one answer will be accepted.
11:47:20
